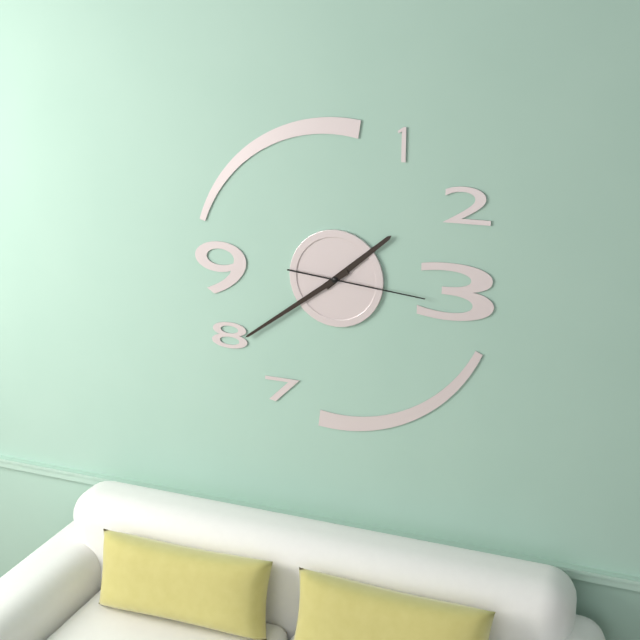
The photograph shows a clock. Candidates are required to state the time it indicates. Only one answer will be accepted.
1:39:16
